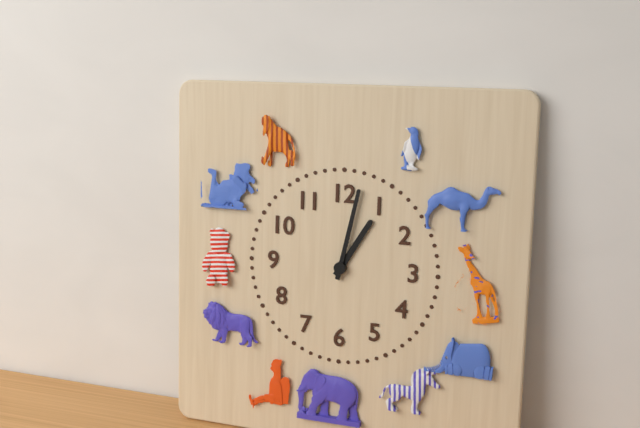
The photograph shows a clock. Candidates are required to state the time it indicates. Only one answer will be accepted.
1:02
